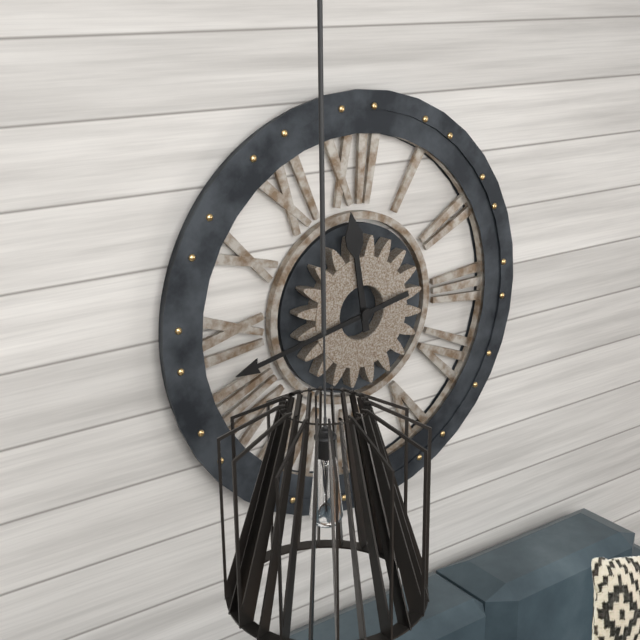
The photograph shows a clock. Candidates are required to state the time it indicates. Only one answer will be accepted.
11:43
